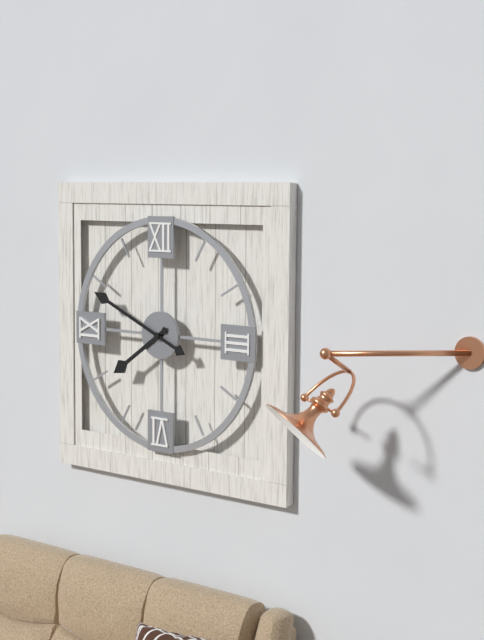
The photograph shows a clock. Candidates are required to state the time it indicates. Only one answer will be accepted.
7:49
